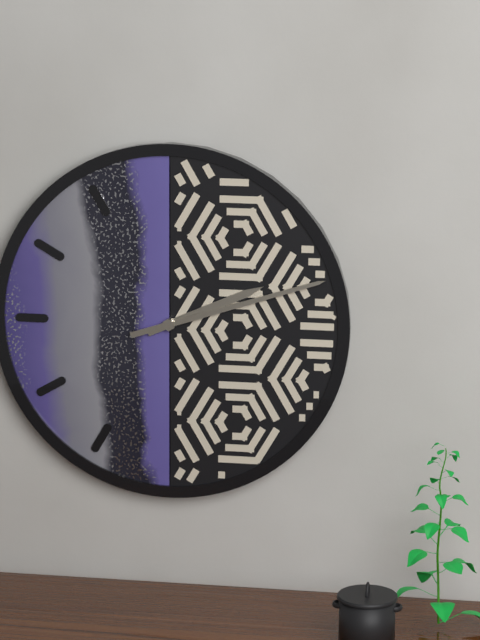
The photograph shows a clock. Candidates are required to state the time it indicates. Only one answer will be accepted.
2:12
